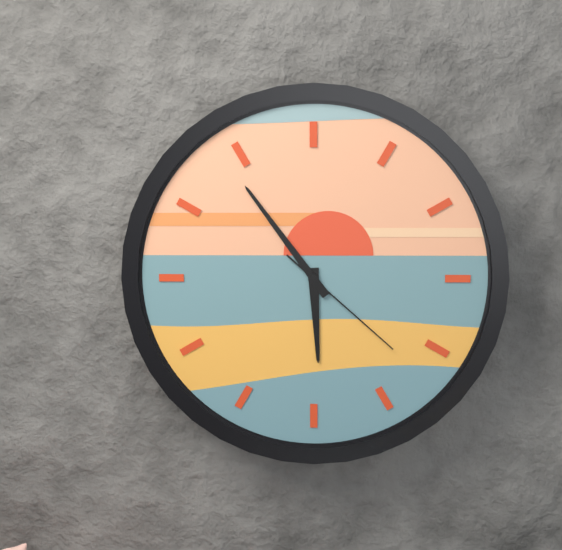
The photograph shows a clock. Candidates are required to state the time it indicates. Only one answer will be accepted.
5:54:22
